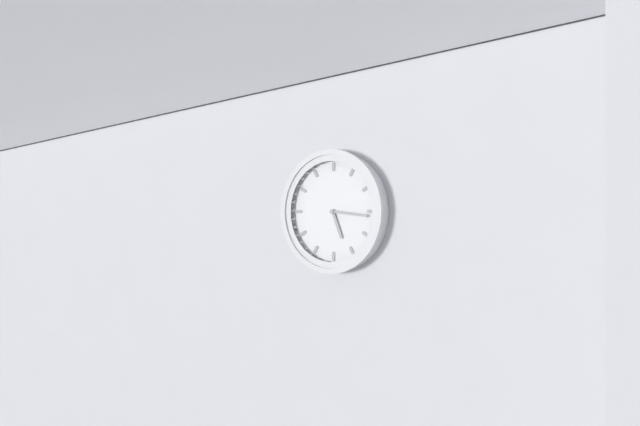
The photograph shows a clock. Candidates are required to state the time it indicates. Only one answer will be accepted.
5:16
